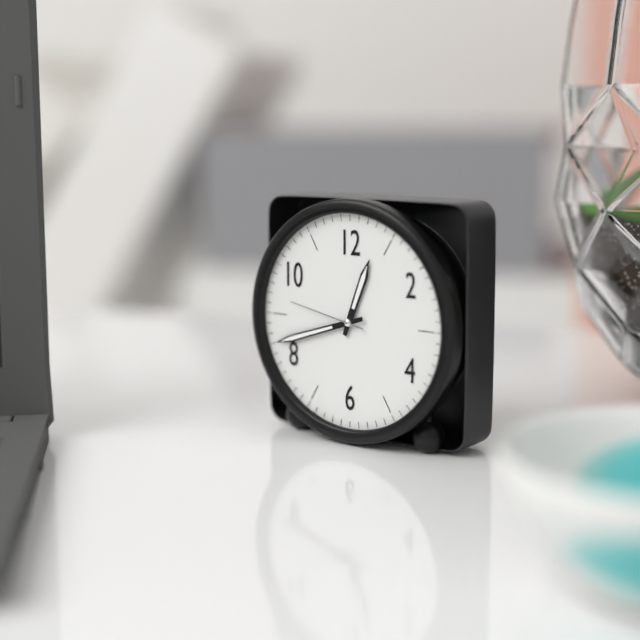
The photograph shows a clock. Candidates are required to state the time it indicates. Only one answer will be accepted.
12:42:47
